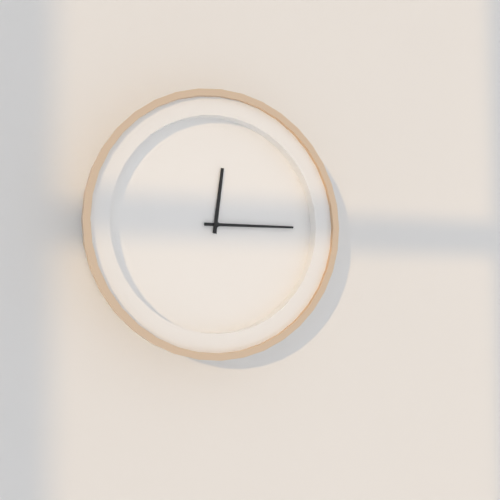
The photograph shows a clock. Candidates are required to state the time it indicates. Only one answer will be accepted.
12:15
